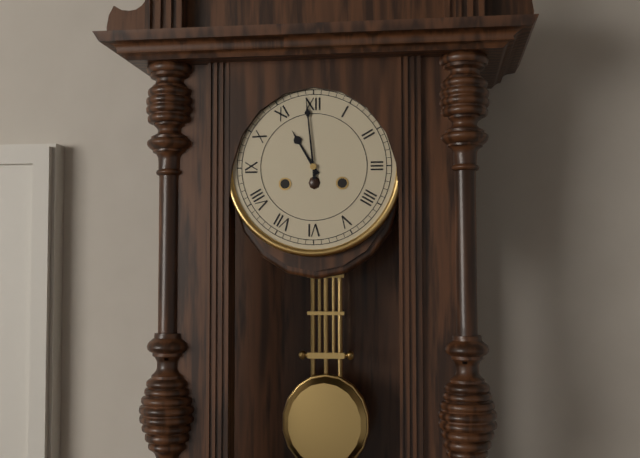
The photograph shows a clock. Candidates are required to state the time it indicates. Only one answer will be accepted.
10:59
